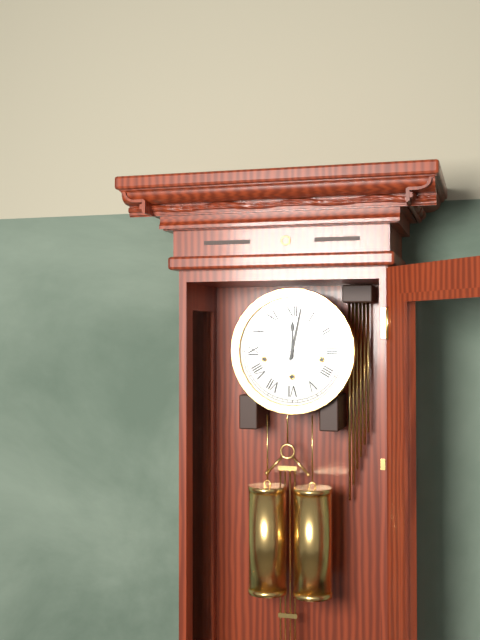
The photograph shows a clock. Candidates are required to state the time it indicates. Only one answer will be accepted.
12:02
